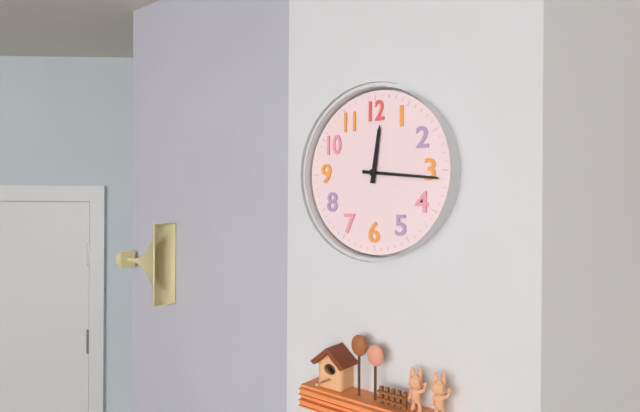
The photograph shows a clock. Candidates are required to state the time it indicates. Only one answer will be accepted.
12:16
